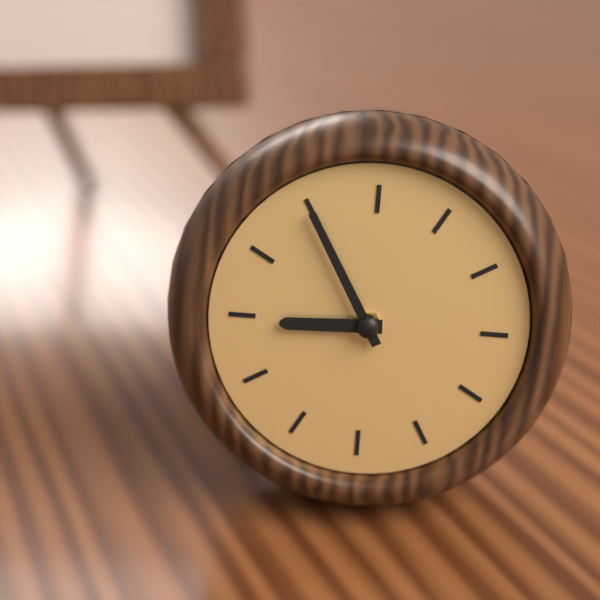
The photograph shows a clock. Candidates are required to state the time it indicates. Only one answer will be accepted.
8:55
